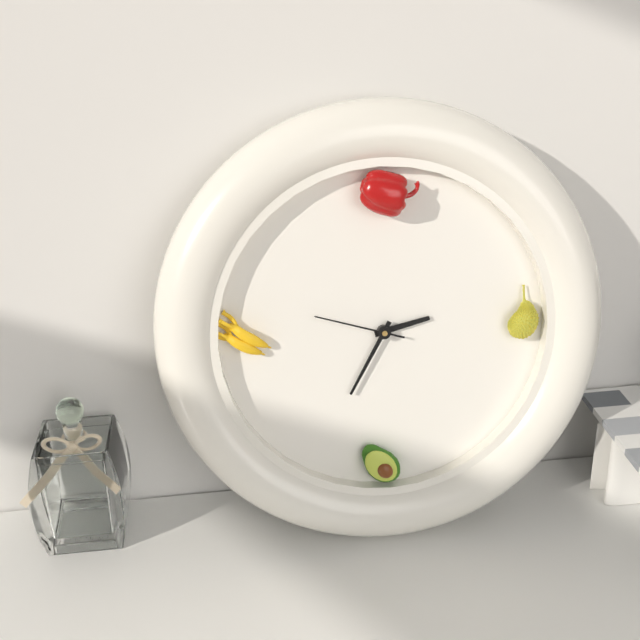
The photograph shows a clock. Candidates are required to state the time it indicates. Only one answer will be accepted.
2:35:48
